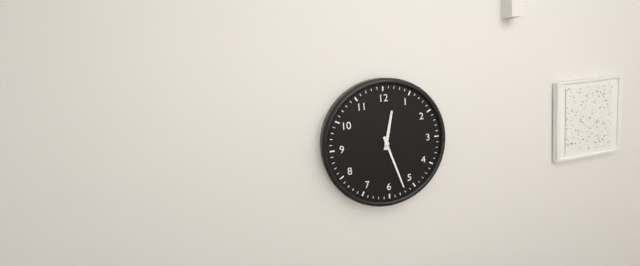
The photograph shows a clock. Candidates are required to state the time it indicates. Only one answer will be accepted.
12:27
